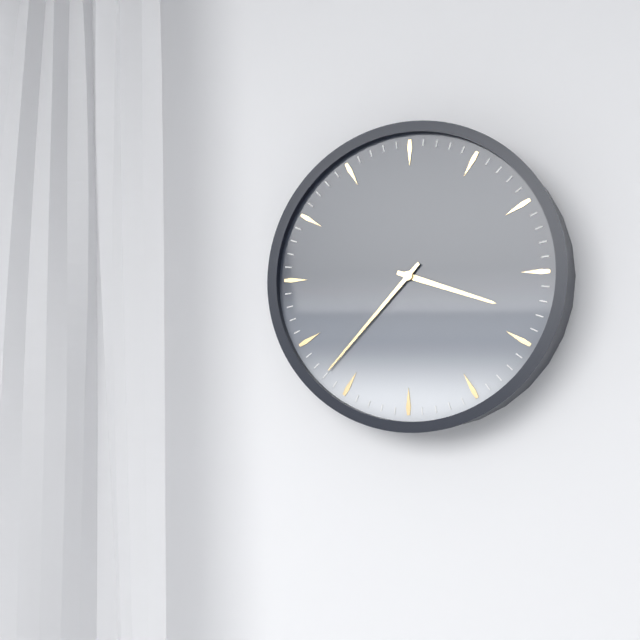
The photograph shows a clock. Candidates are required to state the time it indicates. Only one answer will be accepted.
3:37
